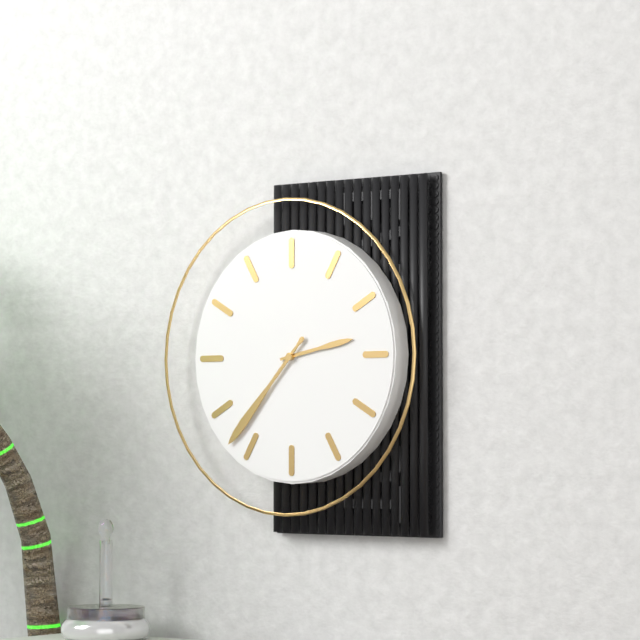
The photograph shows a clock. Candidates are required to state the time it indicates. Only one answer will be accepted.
2:37
